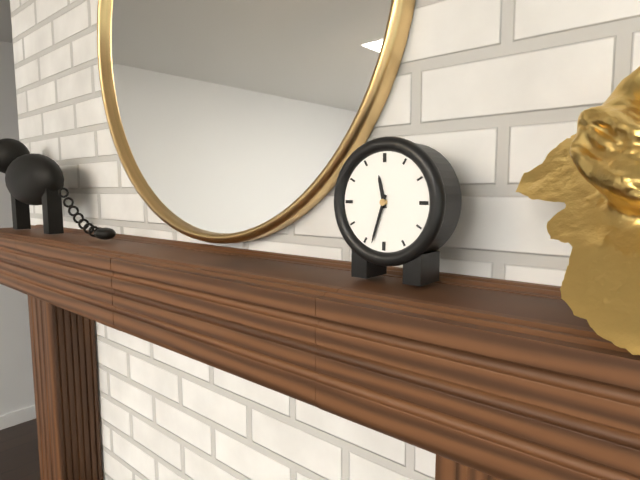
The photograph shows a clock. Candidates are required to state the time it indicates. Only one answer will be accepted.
11:33
